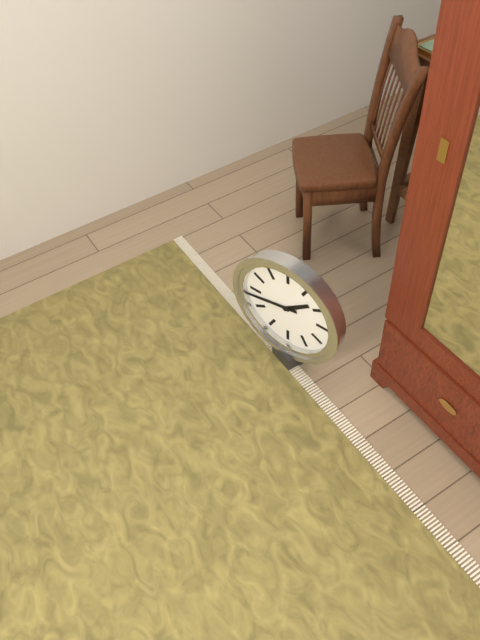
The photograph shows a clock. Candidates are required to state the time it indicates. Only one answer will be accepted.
1:43
